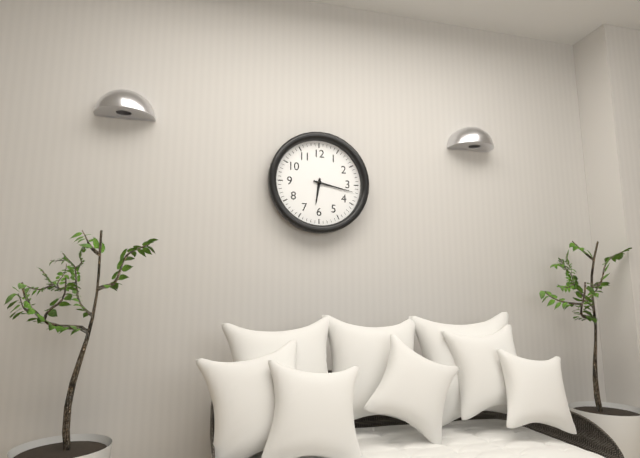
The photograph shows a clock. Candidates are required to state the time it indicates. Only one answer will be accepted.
6:17
